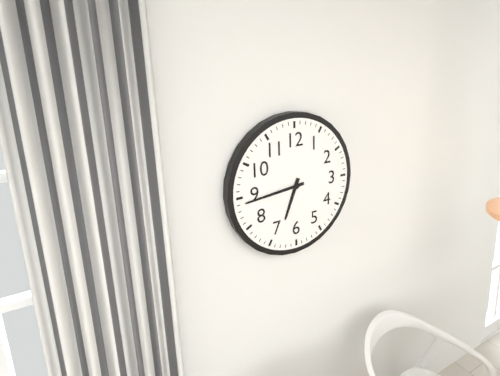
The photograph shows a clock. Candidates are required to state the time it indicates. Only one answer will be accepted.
6:44
